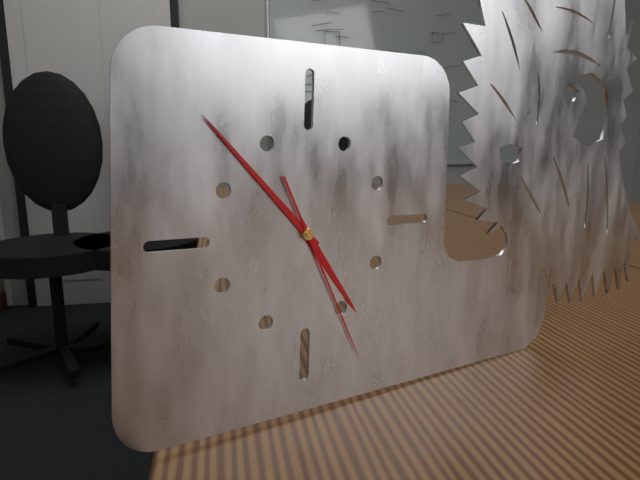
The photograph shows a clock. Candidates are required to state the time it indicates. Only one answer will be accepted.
4:53:26
